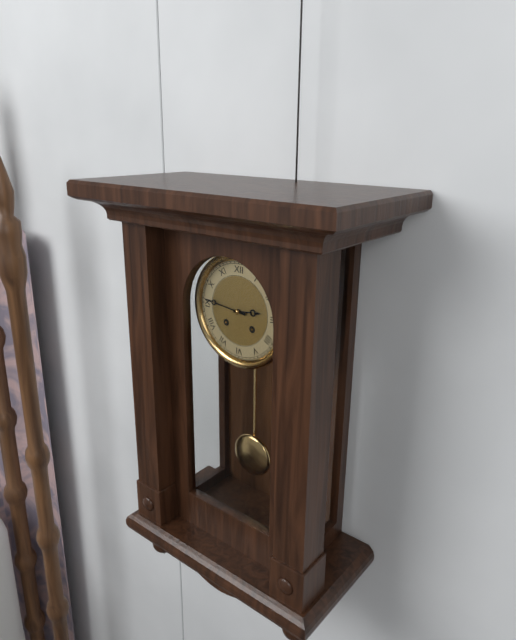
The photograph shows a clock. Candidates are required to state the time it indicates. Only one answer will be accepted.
2:46
